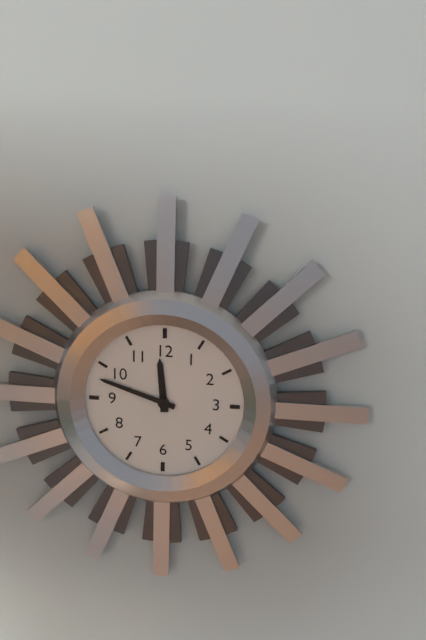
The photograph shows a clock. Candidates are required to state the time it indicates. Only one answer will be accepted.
11:48
